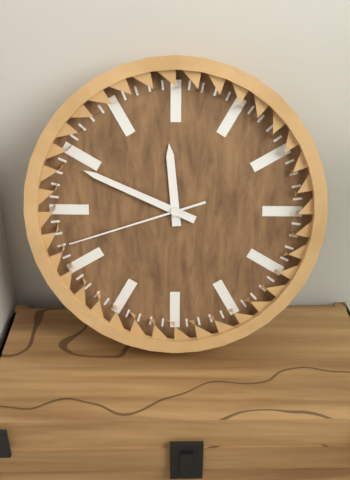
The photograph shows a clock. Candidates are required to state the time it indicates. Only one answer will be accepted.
11:49:42
